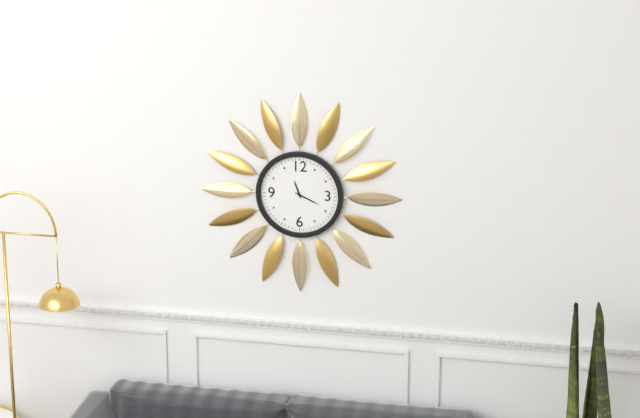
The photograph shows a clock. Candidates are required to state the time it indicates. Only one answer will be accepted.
11:19
